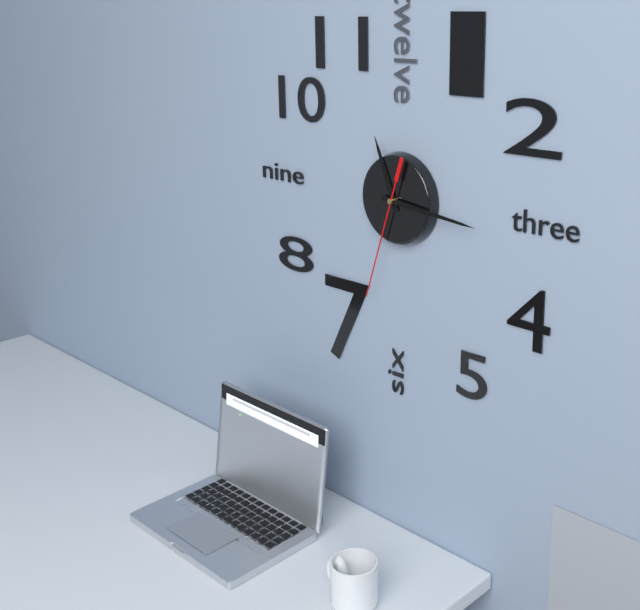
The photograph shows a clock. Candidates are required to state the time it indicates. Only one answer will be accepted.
11:16:33
